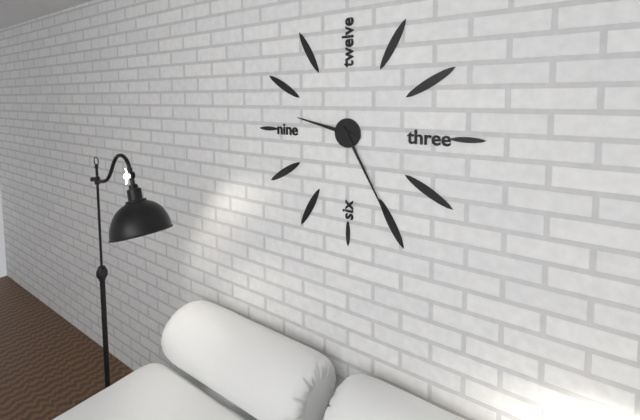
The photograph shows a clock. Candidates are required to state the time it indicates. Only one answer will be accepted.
9:25
